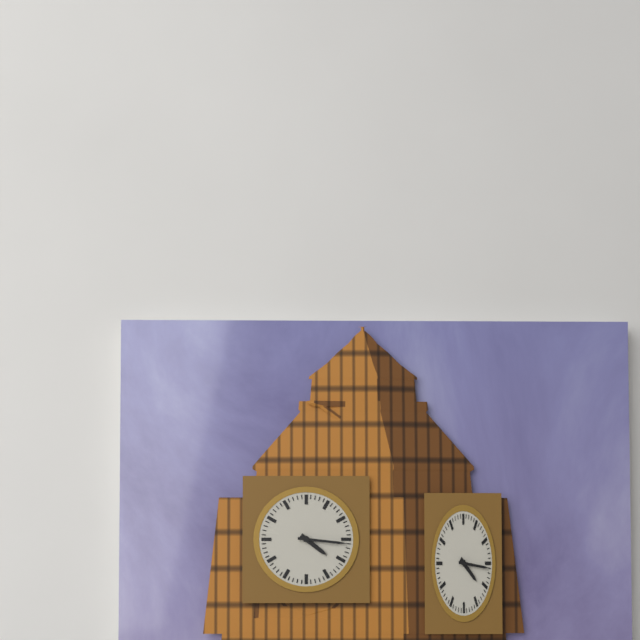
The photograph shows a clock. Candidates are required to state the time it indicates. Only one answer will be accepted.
4:16
